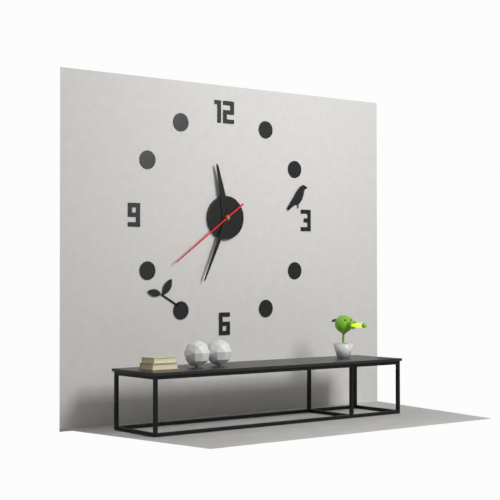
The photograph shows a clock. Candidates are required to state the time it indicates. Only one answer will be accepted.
11:34:39
